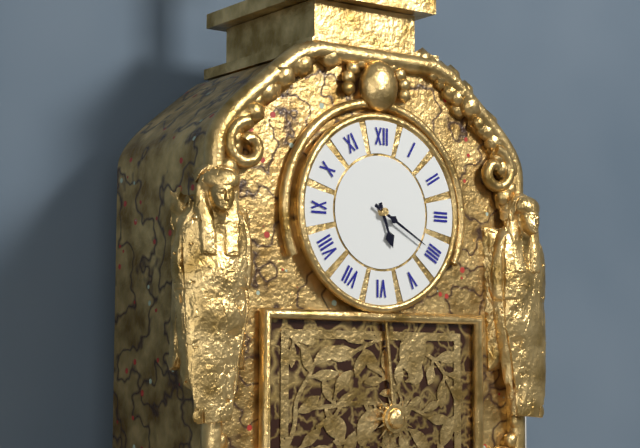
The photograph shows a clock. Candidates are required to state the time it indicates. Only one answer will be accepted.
5:20
